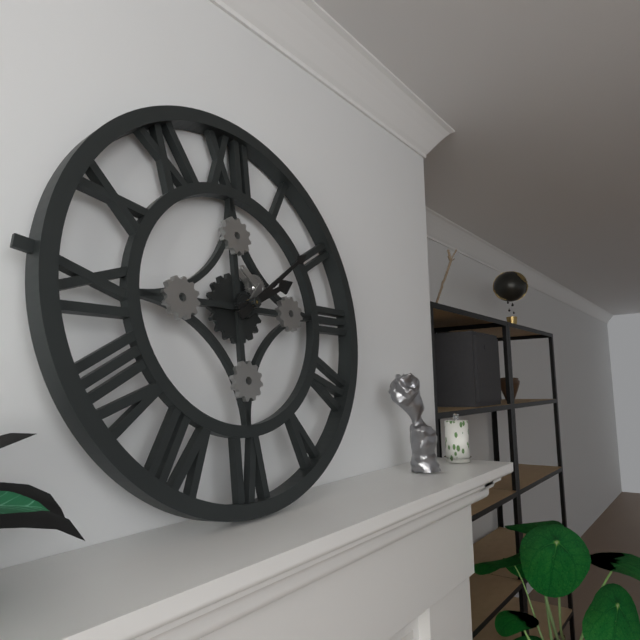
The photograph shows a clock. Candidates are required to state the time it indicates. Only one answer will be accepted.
2:09
